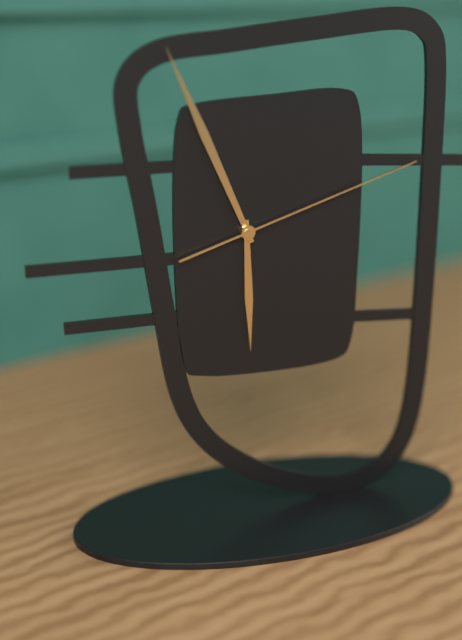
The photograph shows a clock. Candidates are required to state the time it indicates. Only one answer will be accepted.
5:56:12
